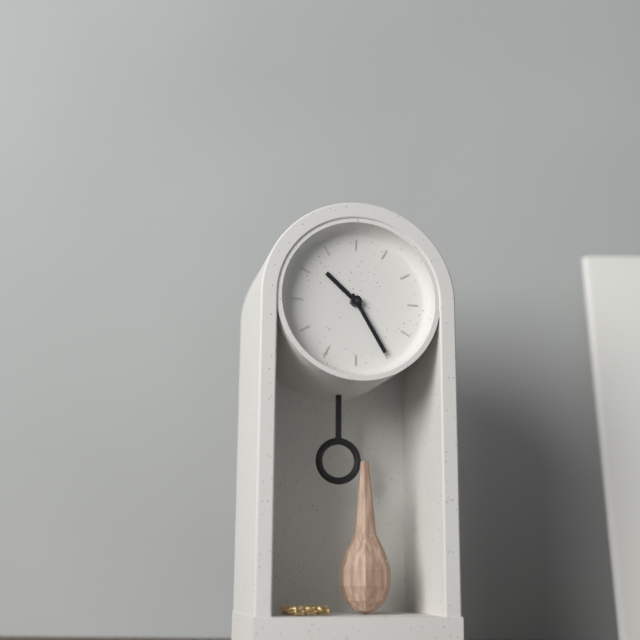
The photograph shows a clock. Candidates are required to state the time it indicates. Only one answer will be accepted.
10:25
